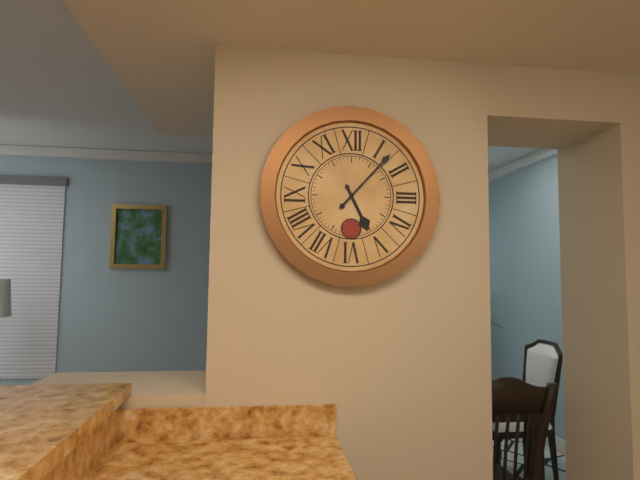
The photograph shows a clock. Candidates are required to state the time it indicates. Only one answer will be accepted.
5:07
